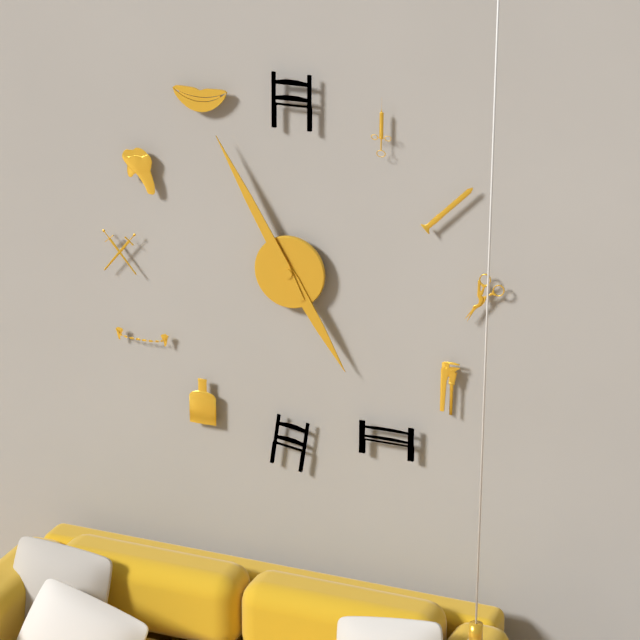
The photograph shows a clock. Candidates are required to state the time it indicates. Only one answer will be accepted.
4:55
